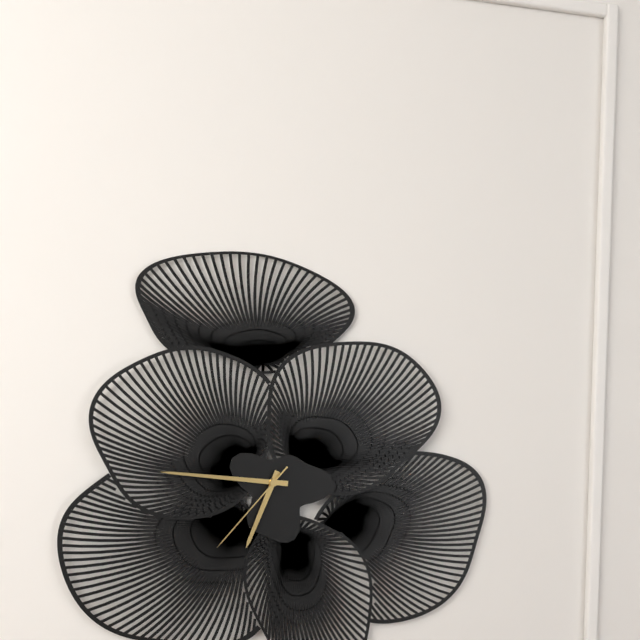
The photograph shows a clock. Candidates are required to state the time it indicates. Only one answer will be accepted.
6:46:37
